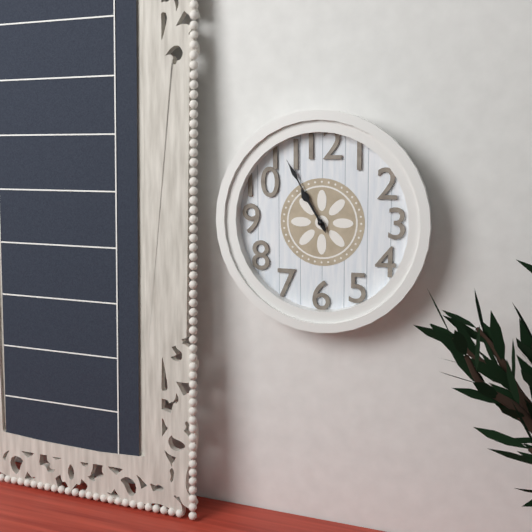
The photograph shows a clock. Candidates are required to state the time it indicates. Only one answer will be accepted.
10:55
